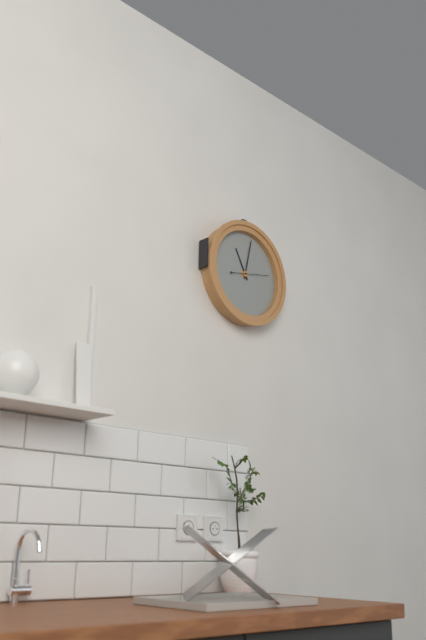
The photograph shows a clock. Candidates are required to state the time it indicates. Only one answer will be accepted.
11:02
